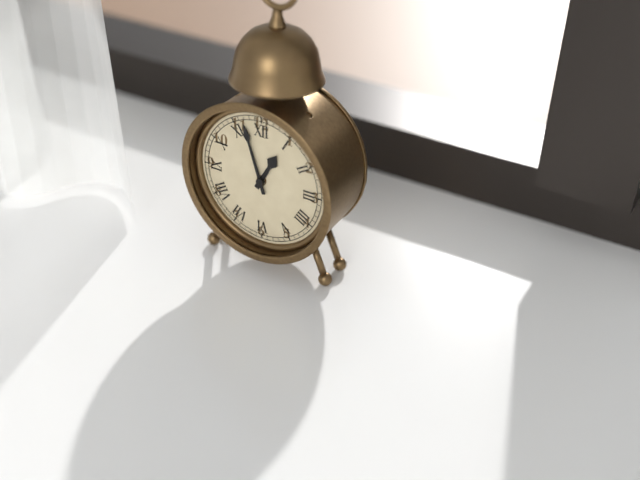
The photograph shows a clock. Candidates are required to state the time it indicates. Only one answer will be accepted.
12:57
